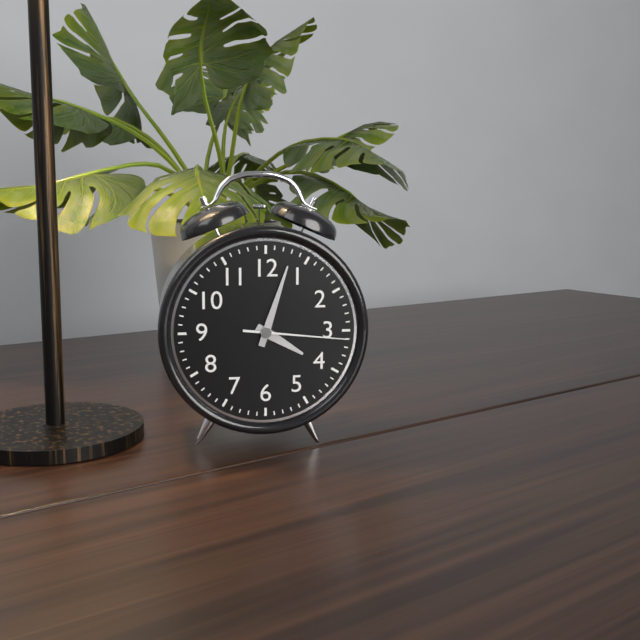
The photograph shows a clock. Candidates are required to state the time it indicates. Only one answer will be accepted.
4:03:16
